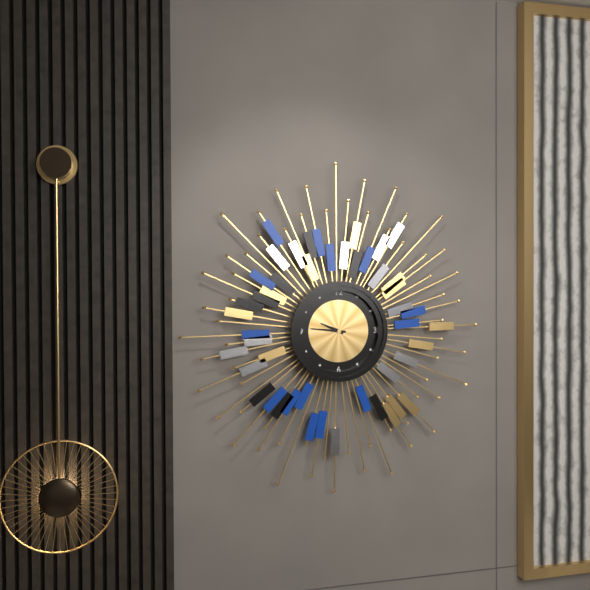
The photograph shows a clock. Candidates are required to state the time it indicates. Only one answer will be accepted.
9:46
